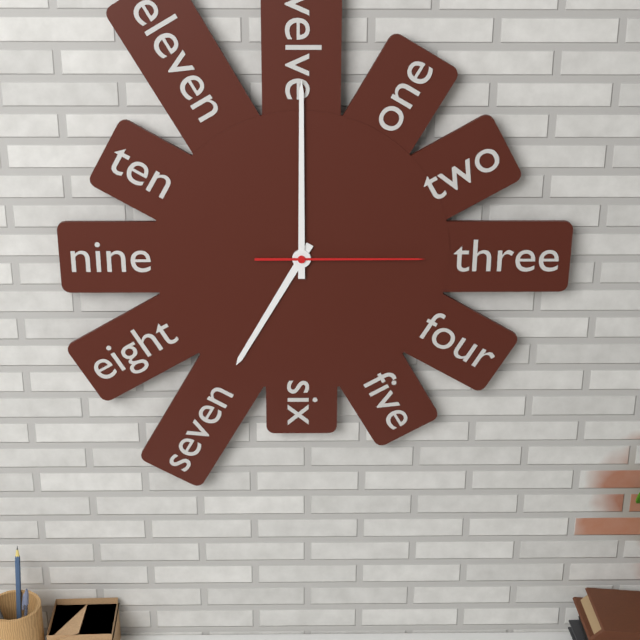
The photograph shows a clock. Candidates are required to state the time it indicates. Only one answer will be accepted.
7:00:15
